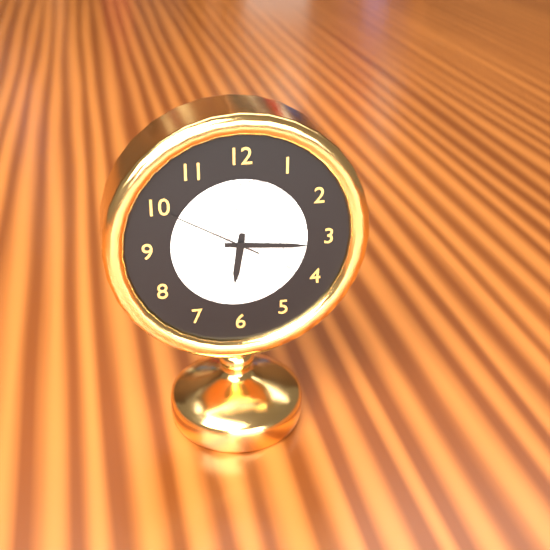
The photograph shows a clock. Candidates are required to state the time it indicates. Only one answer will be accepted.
6:16:50
